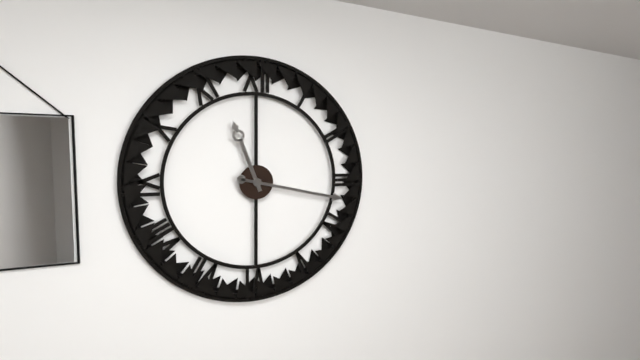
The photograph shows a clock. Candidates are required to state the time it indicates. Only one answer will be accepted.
11:17
